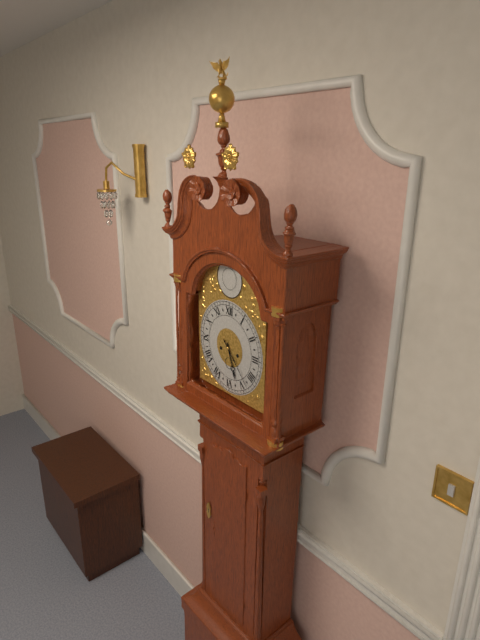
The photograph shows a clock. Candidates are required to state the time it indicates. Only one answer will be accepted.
5:23
